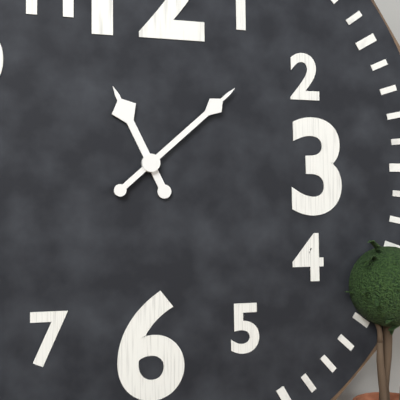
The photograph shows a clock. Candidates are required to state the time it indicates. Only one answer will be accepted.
11:08
